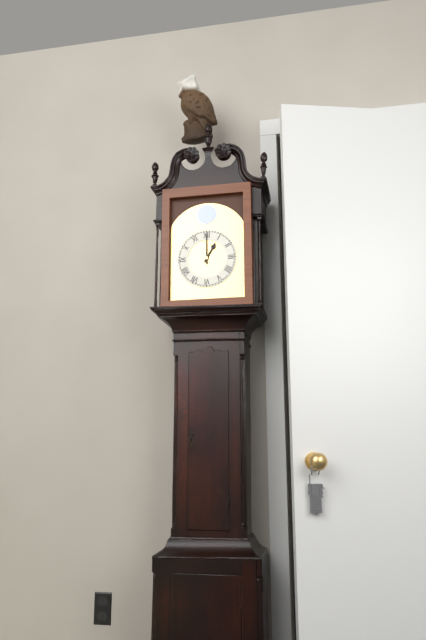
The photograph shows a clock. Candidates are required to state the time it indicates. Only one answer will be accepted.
1:00
